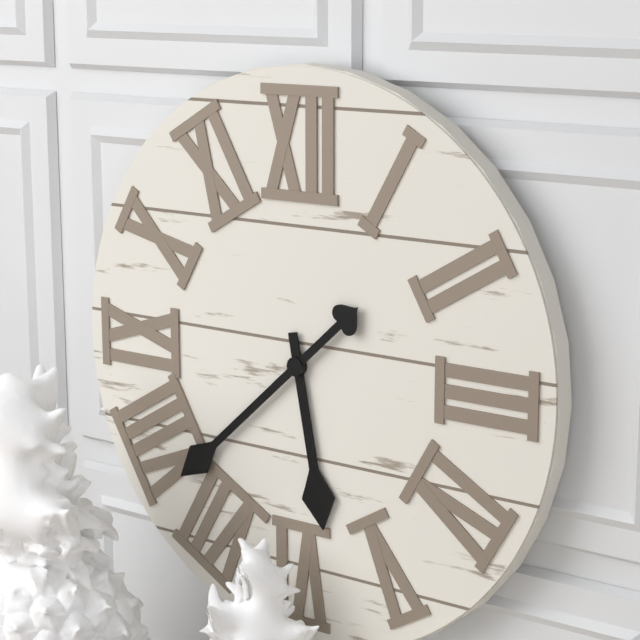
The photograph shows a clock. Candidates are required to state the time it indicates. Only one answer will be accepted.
5:38
